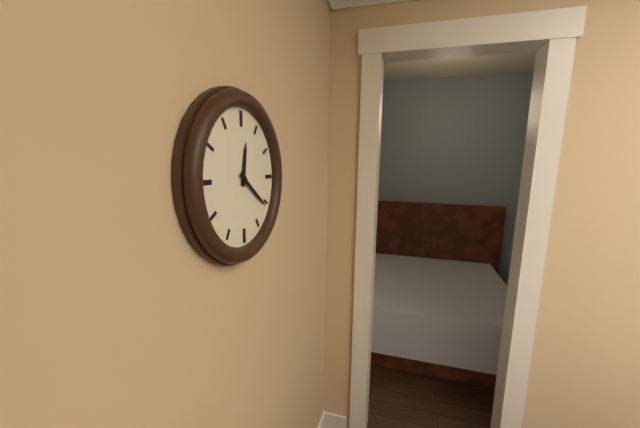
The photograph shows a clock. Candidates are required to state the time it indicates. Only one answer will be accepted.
12:21
